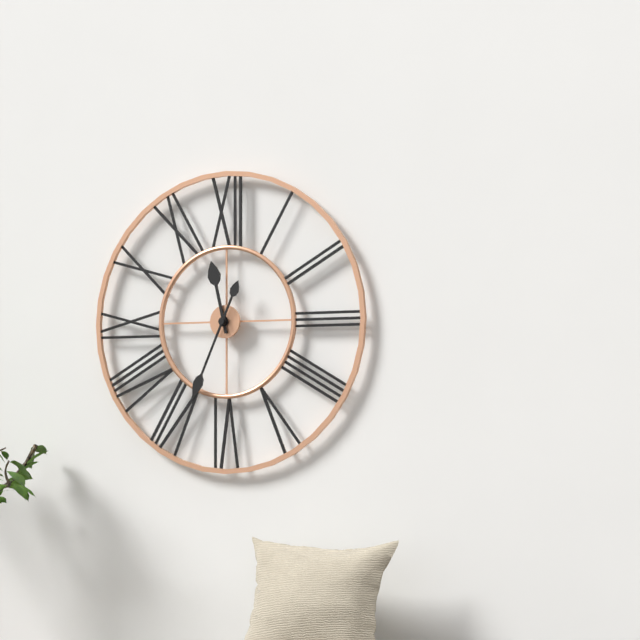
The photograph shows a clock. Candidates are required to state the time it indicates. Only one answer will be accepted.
11:34
